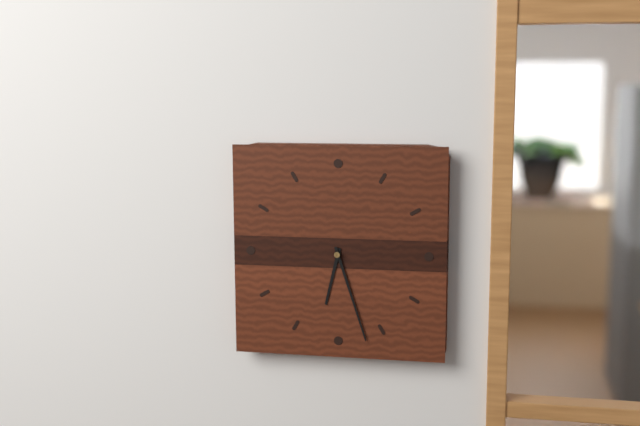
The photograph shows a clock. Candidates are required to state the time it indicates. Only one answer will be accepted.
6:27
